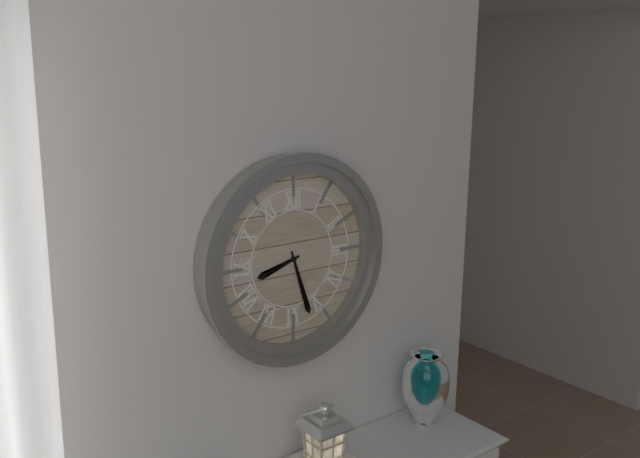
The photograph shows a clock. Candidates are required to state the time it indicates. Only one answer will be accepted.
8:27
